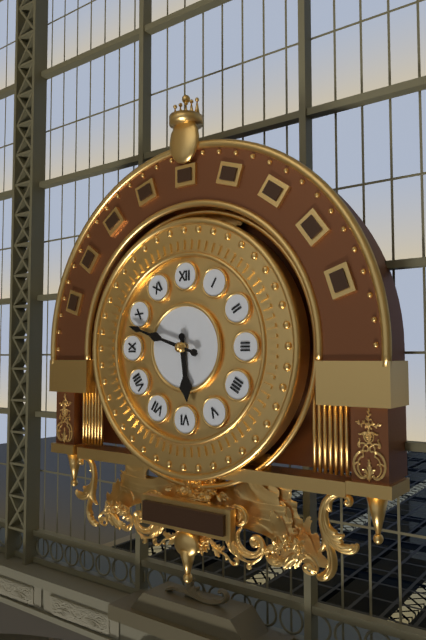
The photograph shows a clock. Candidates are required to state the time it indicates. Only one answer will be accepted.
5:48
